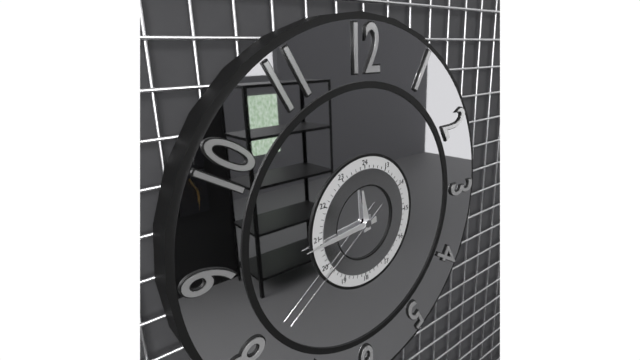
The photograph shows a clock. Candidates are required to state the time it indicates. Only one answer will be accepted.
11:44:39
